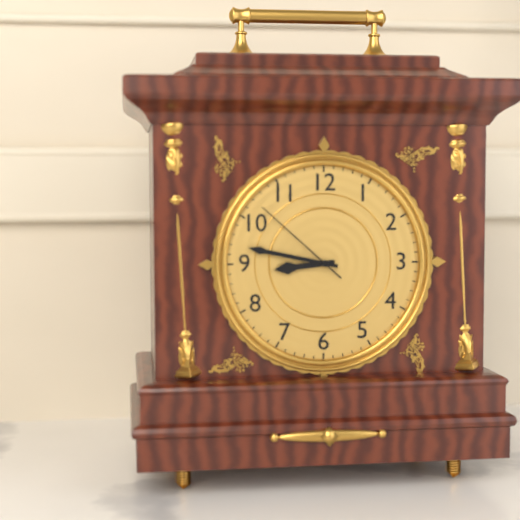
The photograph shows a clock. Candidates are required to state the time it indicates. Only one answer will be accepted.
8:47:52
